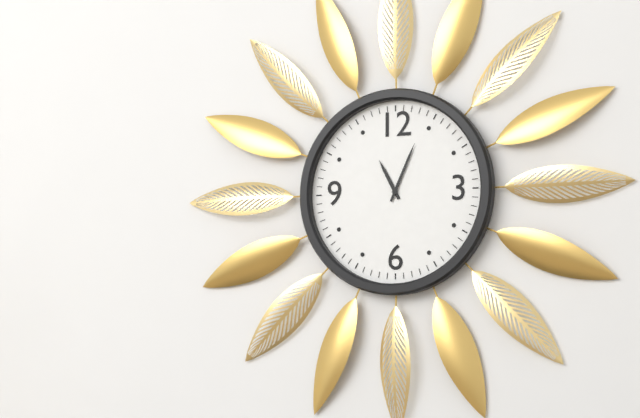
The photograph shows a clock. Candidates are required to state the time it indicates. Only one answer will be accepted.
11:04
